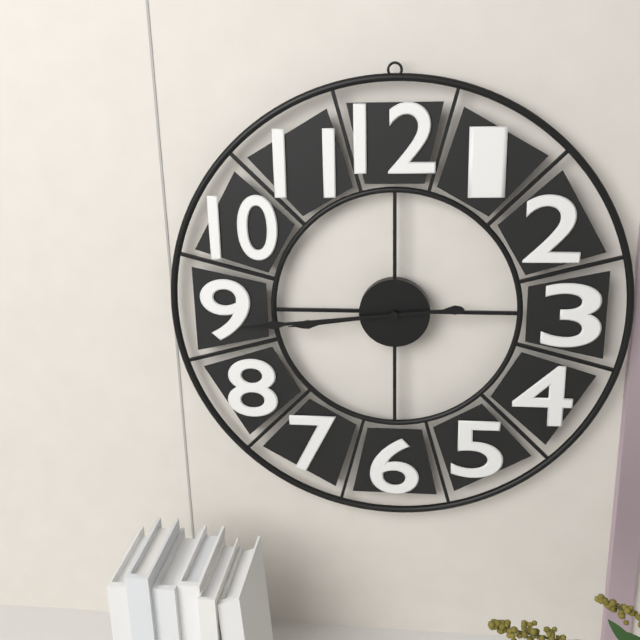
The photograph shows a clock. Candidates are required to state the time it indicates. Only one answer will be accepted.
8:44
